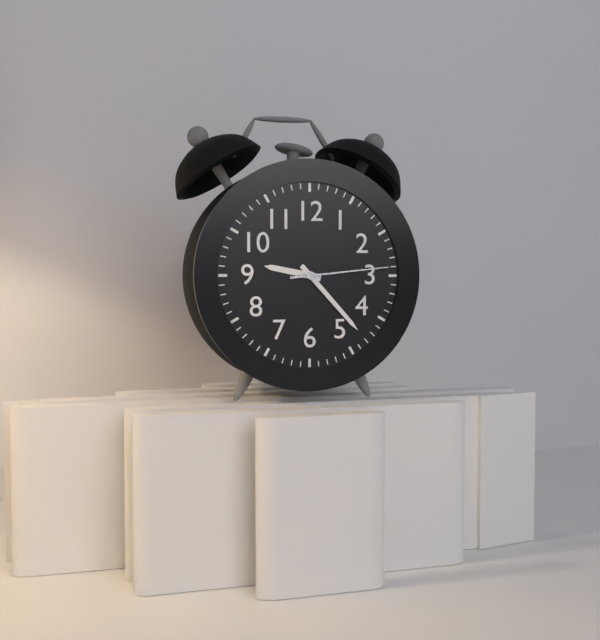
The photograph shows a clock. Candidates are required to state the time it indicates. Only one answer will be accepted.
9:23:14
